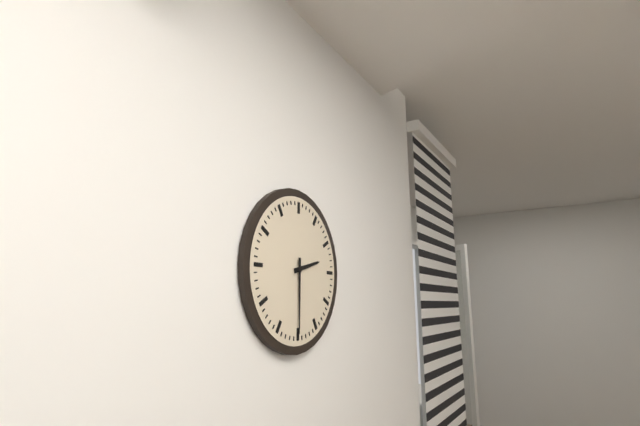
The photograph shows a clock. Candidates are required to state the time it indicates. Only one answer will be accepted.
2:30
